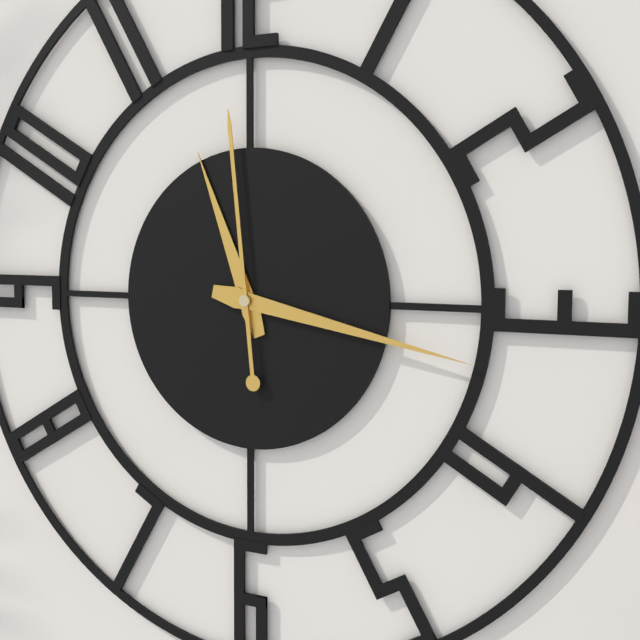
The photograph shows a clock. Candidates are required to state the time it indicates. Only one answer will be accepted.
11:17:59
